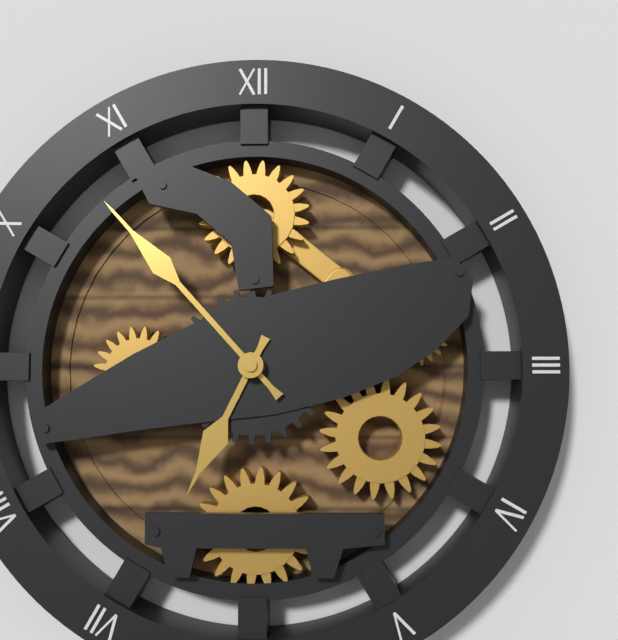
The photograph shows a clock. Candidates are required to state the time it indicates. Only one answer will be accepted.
6:53
